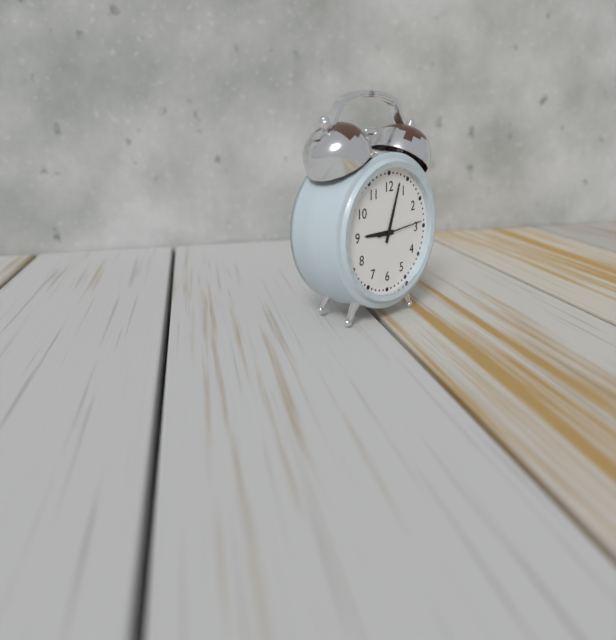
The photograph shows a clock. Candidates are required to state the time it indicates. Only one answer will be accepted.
9:03
